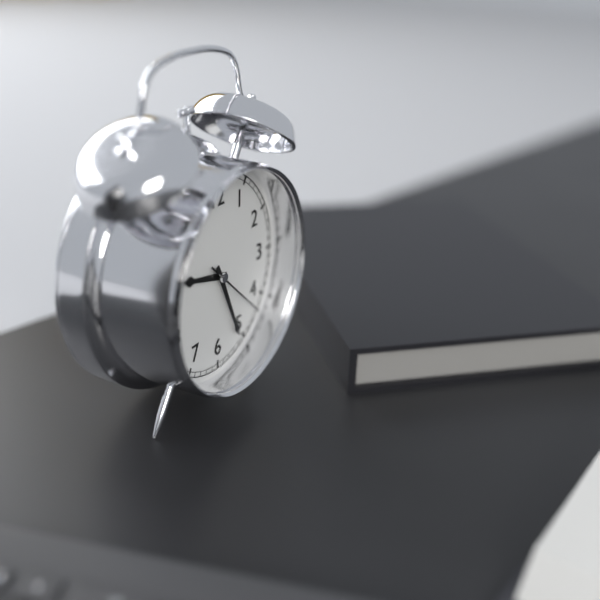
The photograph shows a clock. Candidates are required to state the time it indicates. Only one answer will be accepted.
9:26:22
